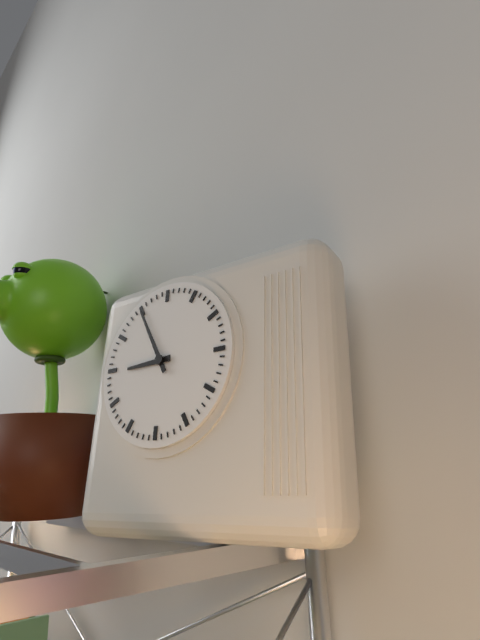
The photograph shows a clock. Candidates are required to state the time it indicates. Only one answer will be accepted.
8:55
